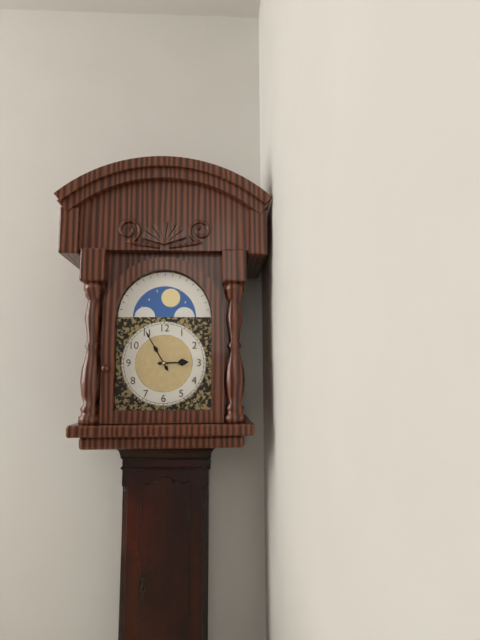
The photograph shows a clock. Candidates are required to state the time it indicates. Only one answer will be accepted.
2:55
